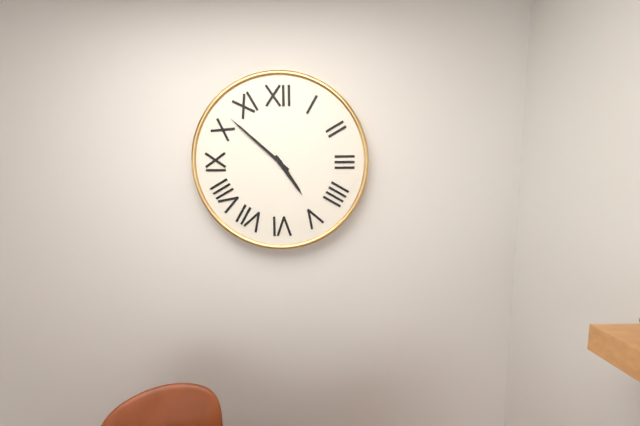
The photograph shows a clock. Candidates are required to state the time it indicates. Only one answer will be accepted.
4:52
